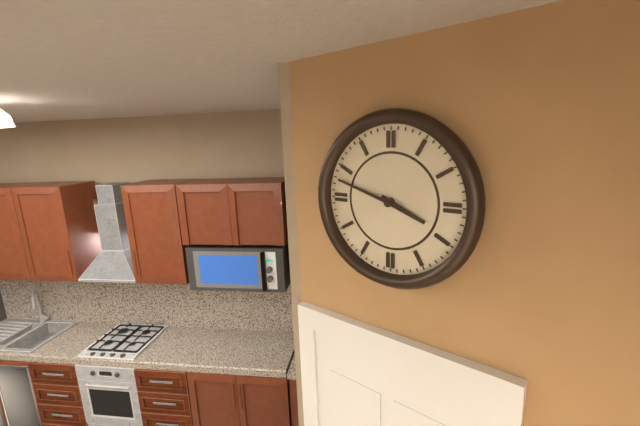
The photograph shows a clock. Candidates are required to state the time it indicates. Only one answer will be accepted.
3:48
